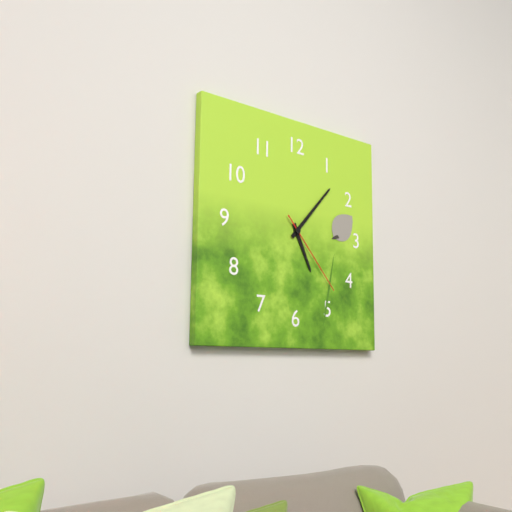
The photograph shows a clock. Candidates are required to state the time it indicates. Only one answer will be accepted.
5:07:23
